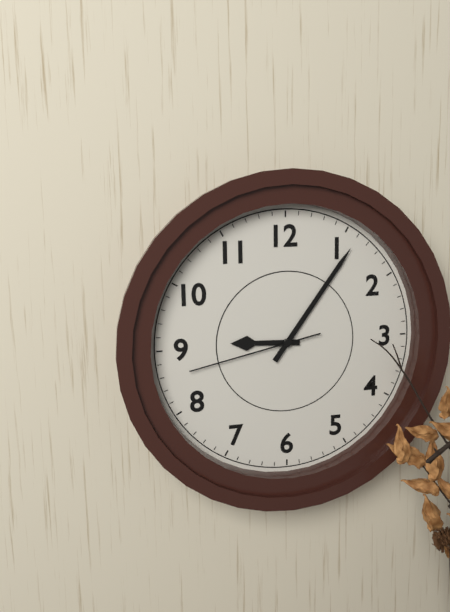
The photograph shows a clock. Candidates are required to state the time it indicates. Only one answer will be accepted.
9:06:43
